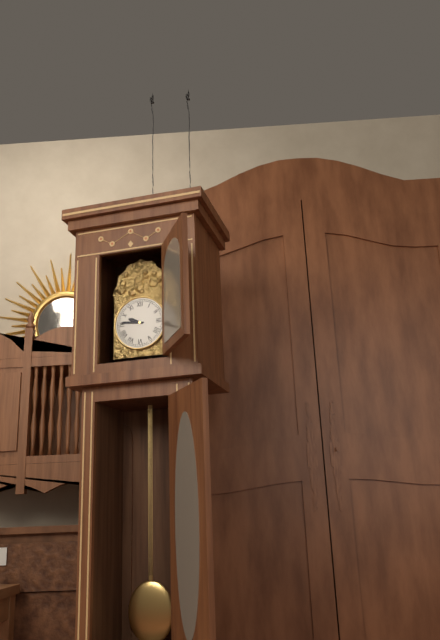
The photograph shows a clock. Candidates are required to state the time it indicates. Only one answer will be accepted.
9:46
